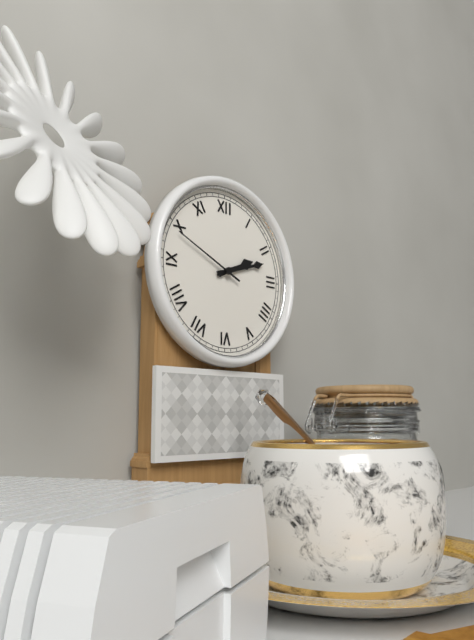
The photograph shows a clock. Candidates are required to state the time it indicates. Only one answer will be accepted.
2:12:49
